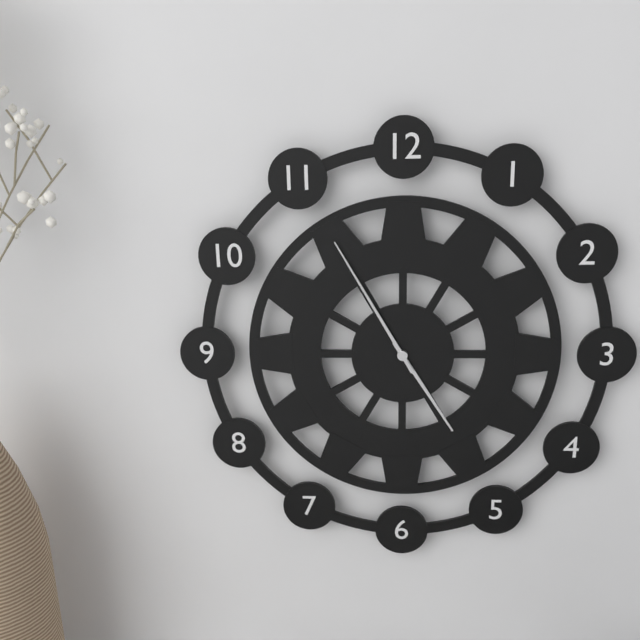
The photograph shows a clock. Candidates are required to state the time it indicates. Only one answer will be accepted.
4:55
